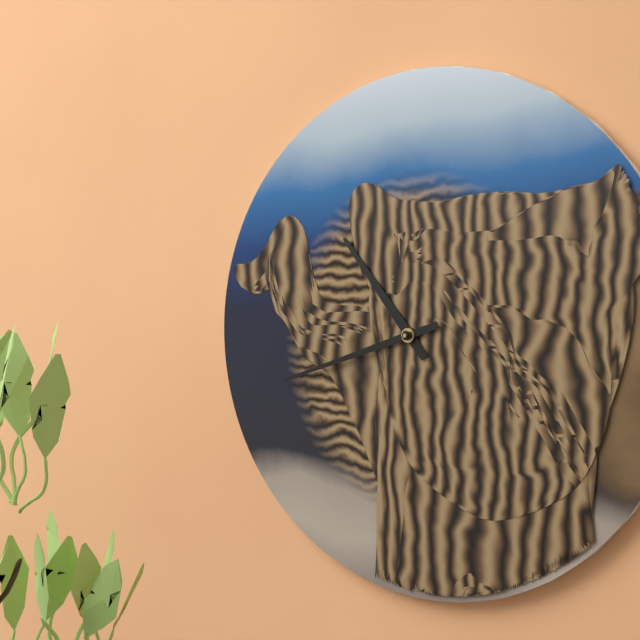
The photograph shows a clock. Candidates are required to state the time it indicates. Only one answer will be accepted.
10:42
